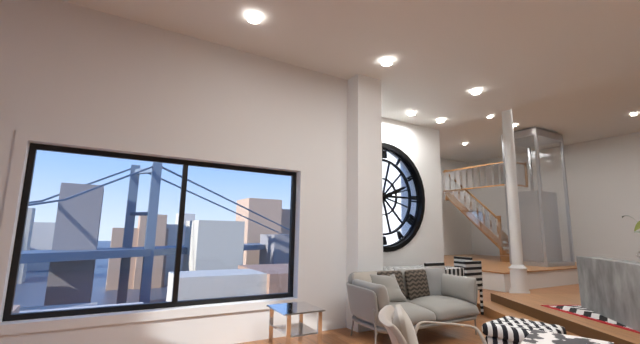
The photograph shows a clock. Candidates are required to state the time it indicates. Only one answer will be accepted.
2:15
